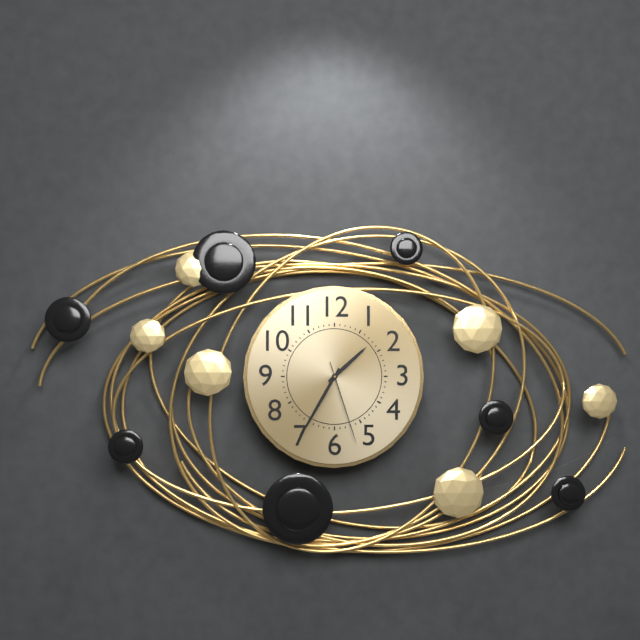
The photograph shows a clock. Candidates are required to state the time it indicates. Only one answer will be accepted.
1:35:27
